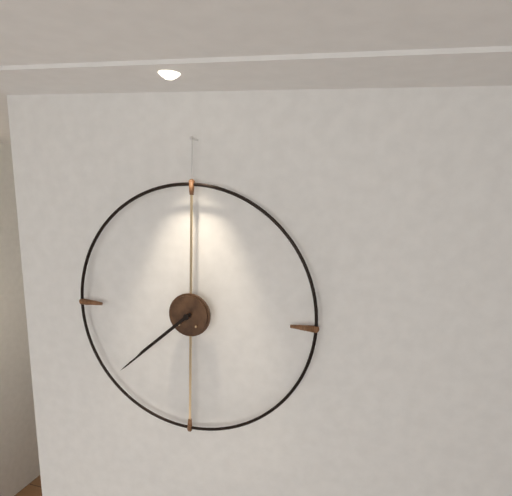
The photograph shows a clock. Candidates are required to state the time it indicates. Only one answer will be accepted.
7:38
